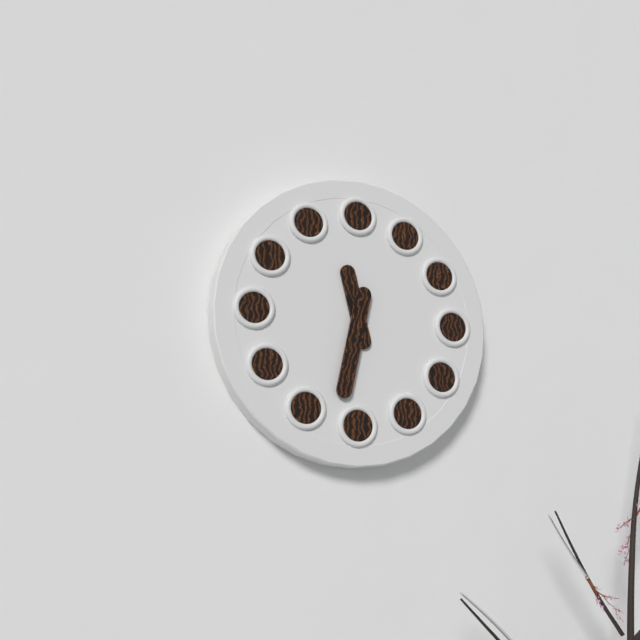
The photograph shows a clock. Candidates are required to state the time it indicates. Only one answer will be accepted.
11:32
